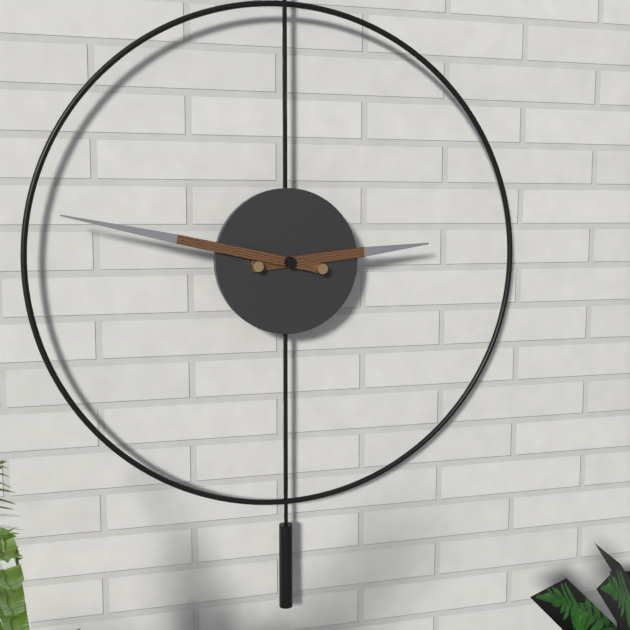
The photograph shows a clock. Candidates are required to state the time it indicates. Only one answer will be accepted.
2:47
